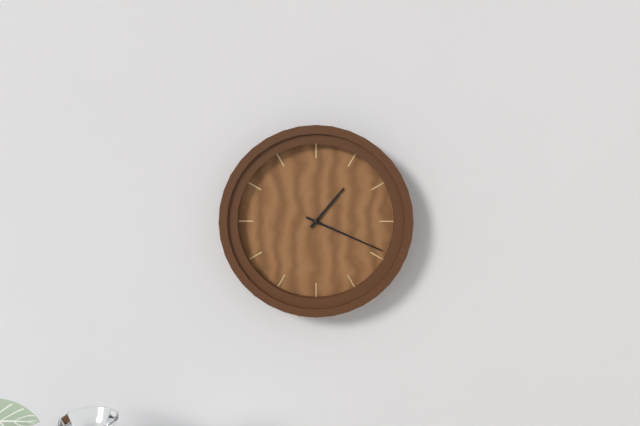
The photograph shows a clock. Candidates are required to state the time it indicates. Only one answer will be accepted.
1:19
